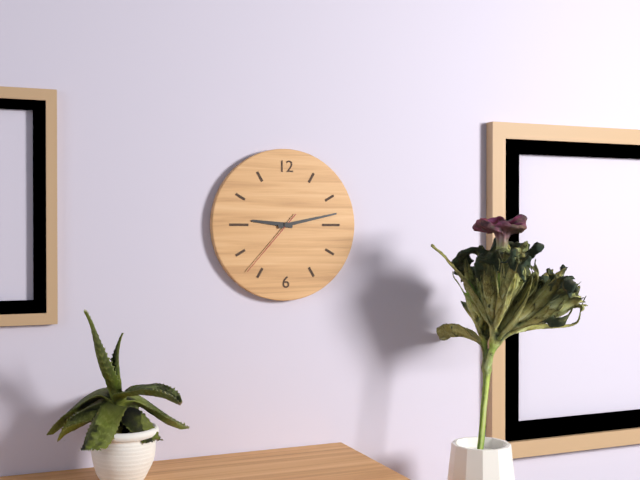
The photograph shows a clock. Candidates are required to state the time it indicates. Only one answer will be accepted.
9:13:37
